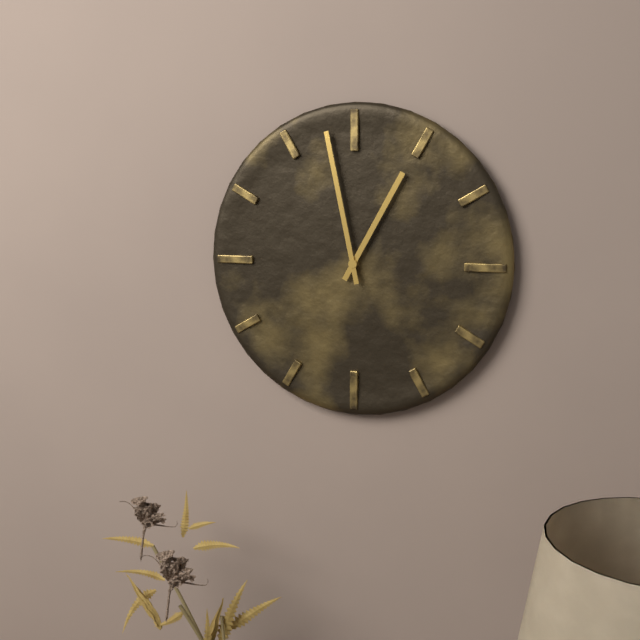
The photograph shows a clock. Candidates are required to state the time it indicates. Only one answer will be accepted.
12:58
